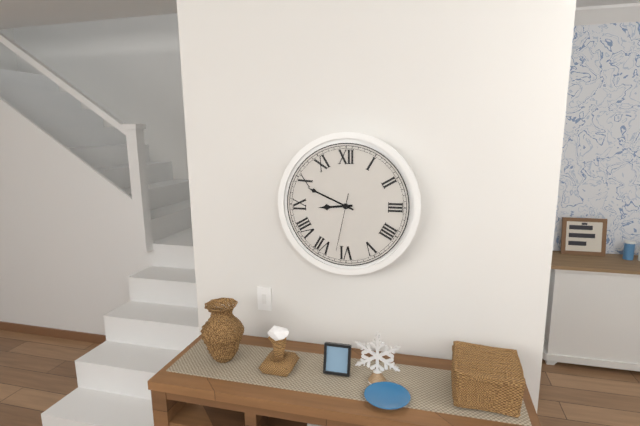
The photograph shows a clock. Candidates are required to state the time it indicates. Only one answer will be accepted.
8:49:32
